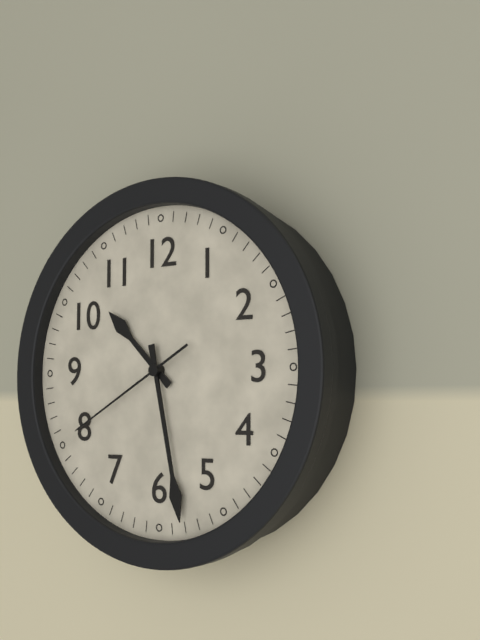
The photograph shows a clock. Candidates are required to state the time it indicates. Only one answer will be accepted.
10:28:40
